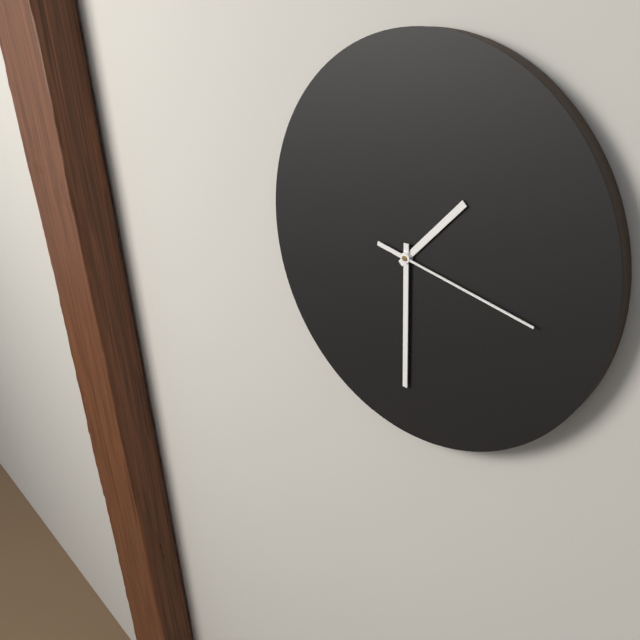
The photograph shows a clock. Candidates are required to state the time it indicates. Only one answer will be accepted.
1:30:17
